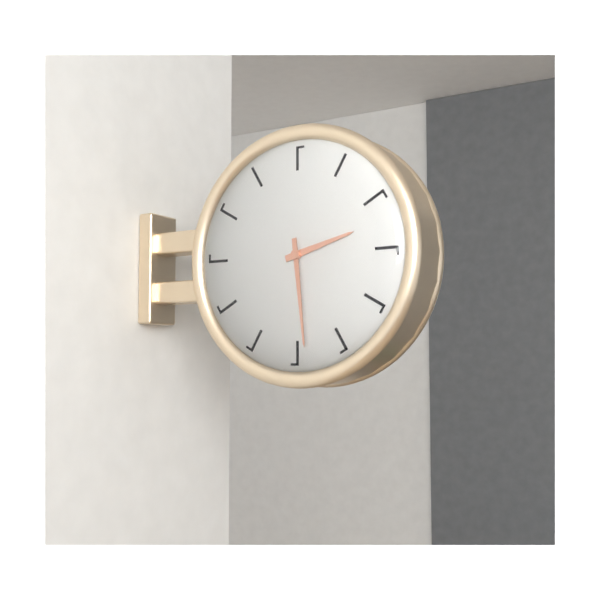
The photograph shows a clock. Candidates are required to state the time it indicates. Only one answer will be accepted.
2:29
